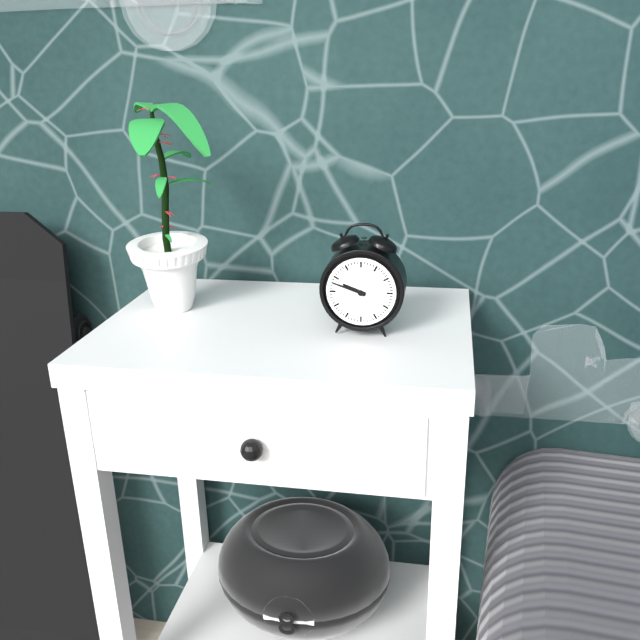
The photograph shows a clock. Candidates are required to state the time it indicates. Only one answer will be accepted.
9:48
